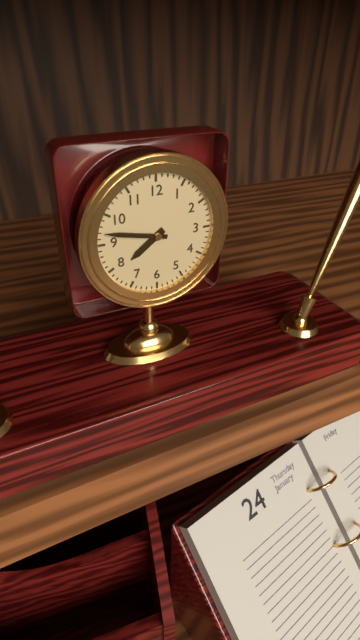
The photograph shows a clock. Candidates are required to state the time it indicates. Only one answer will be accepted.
7:47
